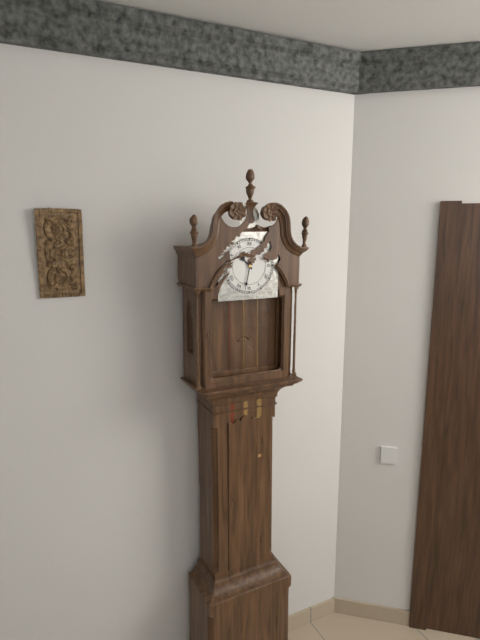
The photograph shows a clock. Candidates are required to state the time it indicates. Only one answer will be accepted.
10:32
